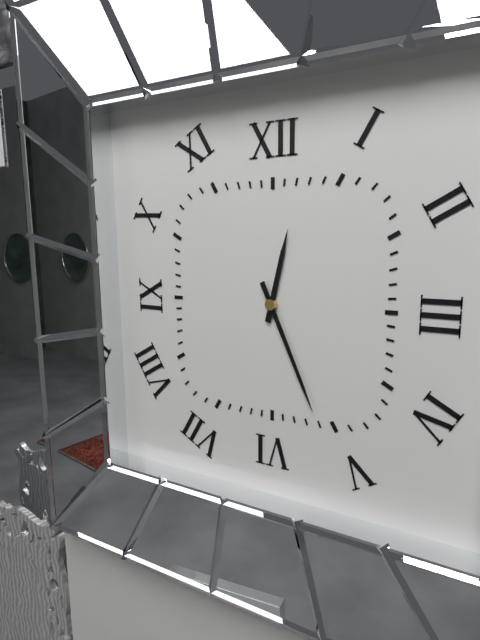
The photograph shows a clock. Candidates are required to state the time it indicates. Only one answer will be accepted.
12:26
